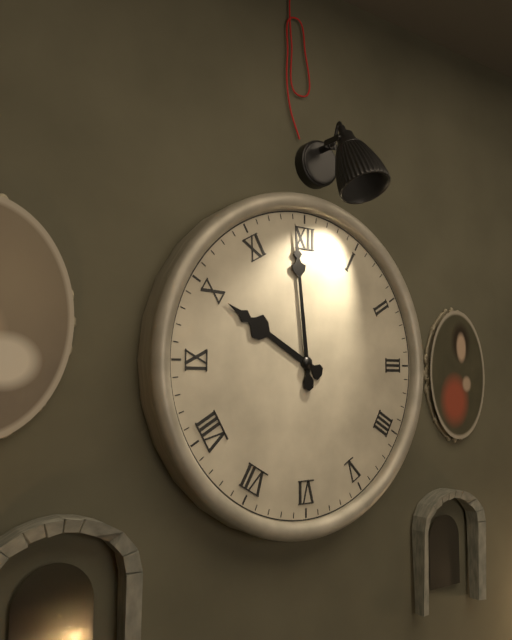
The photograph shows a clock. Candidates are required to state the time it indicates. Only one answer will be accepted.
9:59
